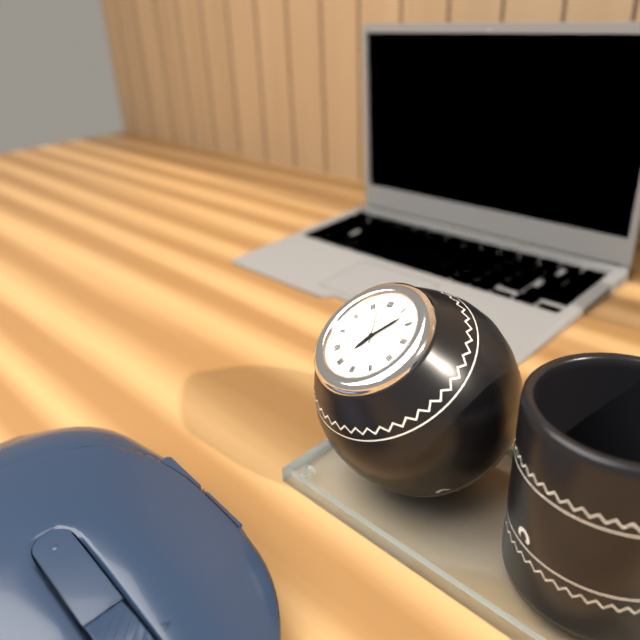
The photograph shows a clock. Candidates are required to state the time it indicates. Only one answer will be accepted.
7:07
